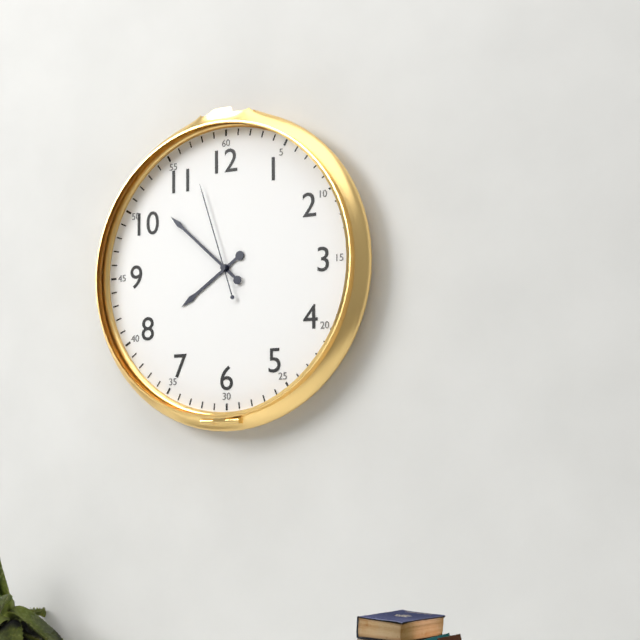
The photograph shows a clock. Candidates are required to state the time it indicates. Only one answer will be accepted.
7:52:57
